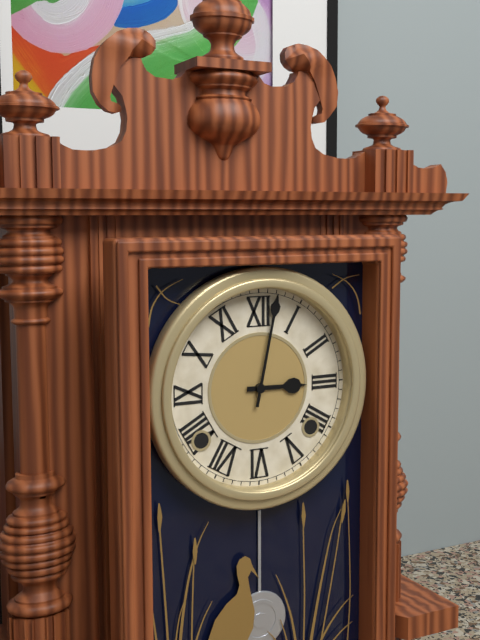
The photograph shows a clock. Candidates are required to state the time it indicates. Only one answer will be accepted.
3:02
